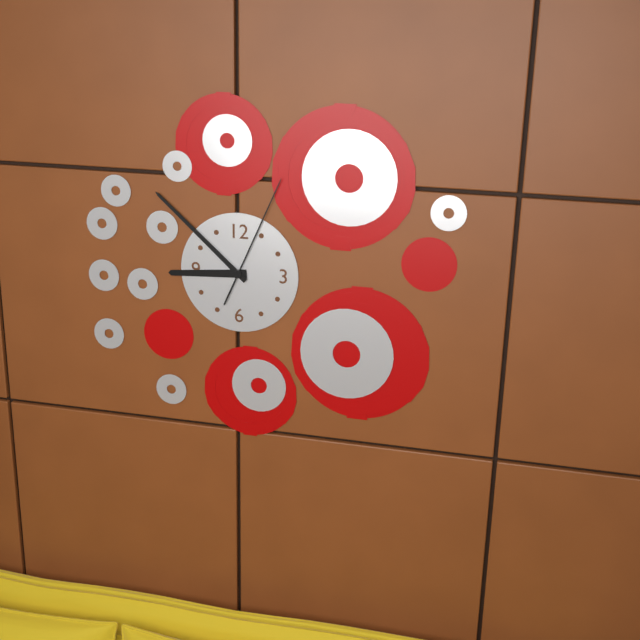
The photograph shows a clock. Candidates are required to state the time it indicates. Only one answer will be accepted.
8:52:04
